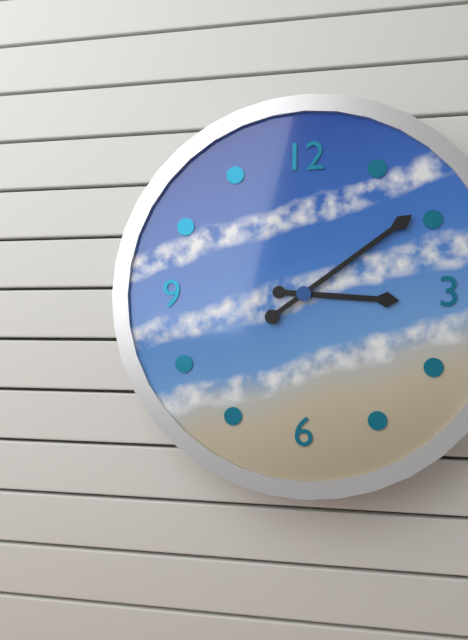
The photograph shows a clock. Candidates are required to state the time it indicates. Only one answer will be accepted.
3:09
